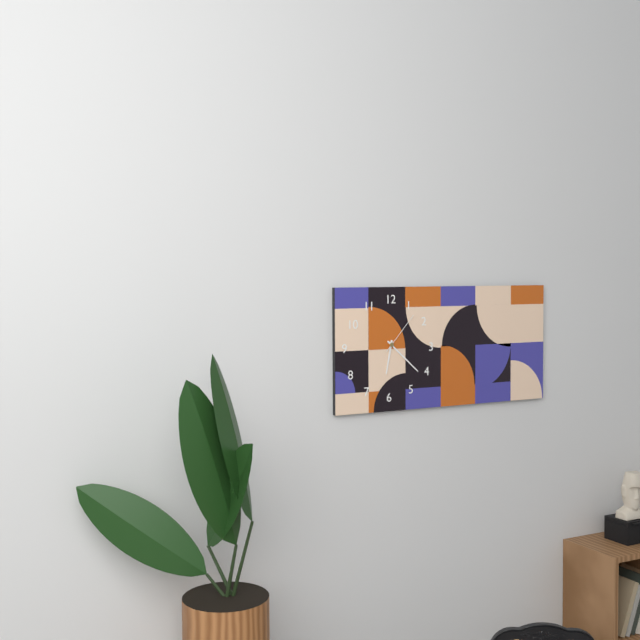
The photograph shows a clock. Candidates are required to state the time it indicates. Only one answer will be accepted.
6:22
